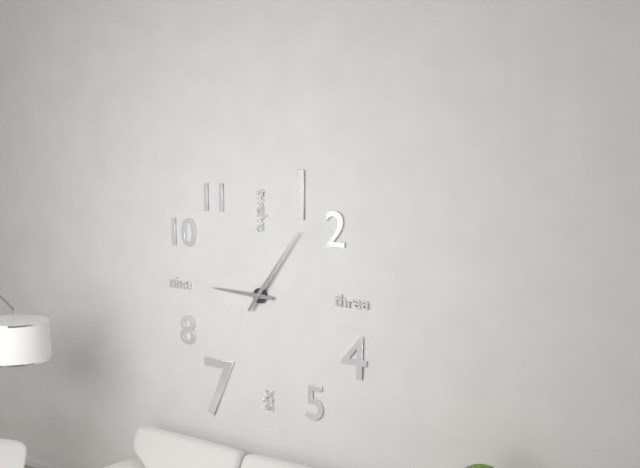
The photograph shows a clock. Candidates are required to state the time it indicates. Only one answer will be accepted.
9:06
